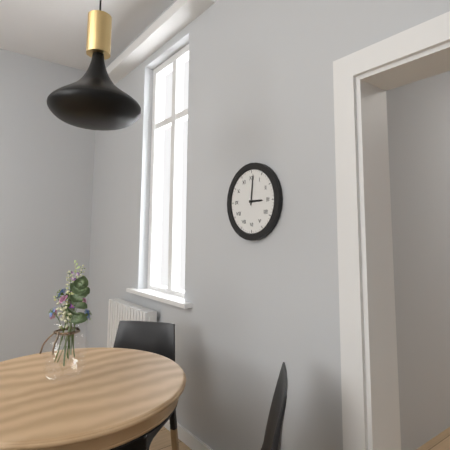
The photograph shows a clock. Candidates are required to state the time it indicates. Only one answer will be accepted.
3:01
